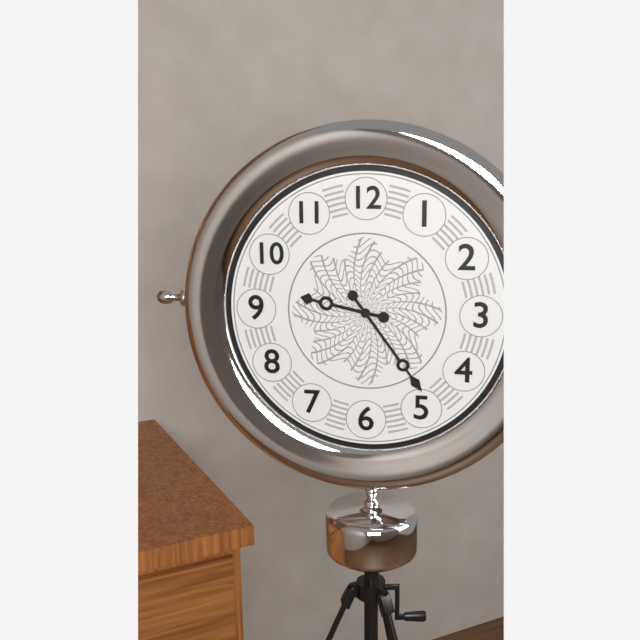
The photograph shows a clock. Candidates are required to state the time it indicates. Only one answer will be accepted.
9:24
